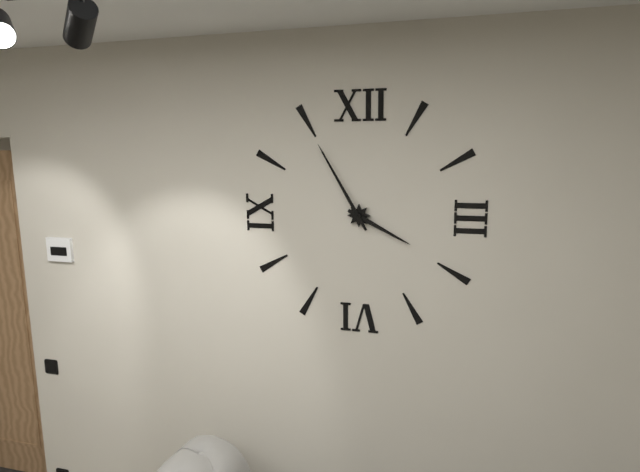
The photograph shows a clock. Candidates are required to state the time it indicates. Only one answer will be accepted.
3:55
